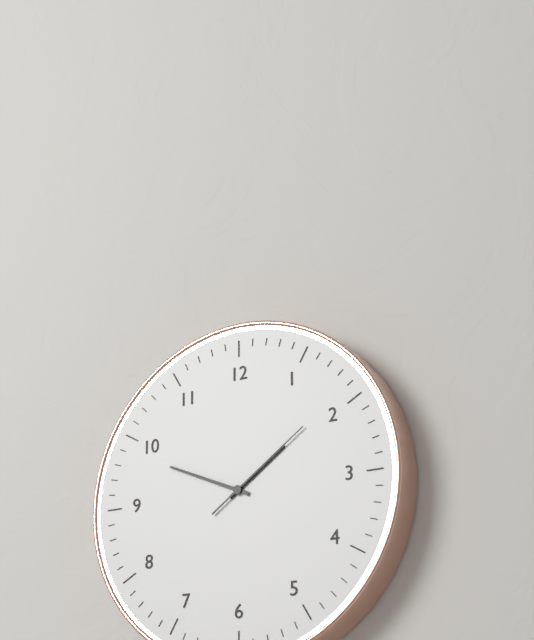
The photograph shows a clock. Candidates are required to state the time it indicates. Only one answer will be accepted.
1:49:09
